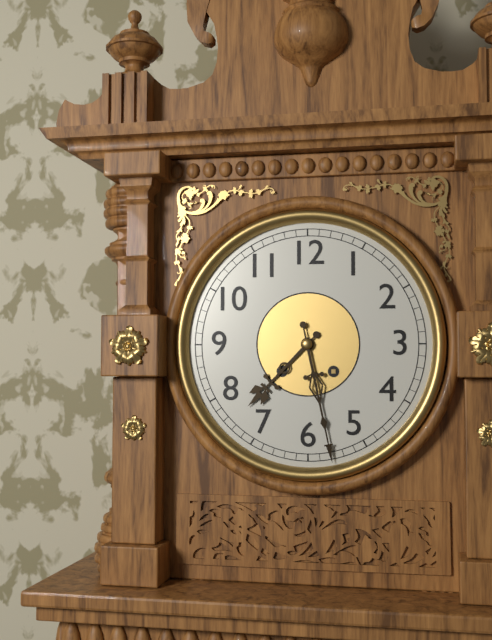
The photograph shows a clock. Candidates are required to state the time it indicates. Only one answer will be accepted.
7:28
